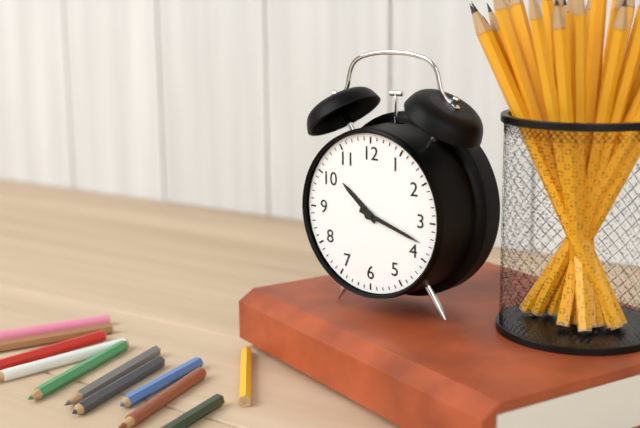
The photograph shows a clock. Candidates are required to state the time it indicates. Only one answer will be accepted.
10:18
